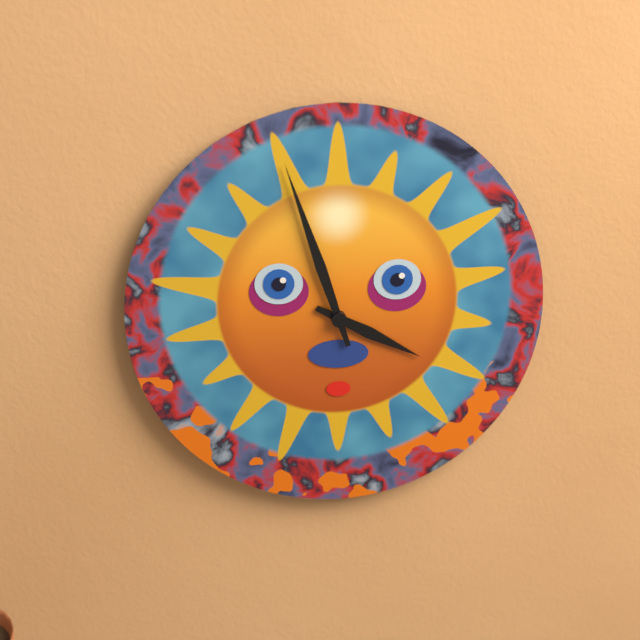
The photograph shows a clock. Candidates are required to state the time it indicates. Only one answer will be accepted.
3:57
